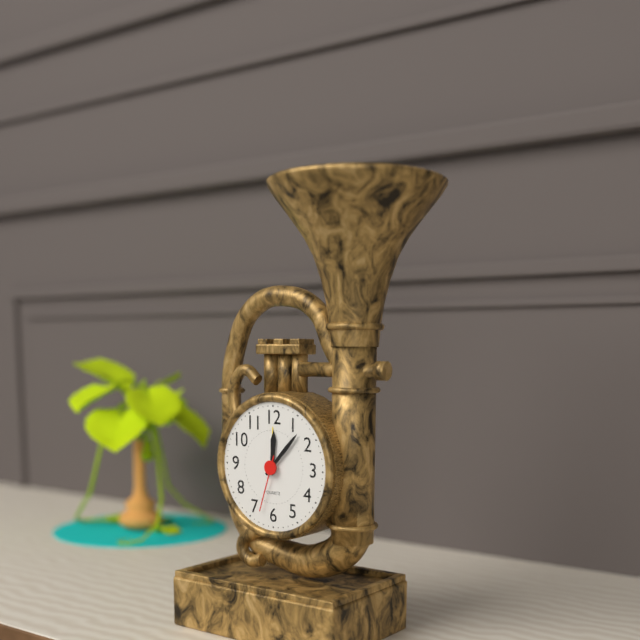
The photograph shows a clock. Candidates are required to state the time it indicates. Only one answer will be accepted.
12:07:33
